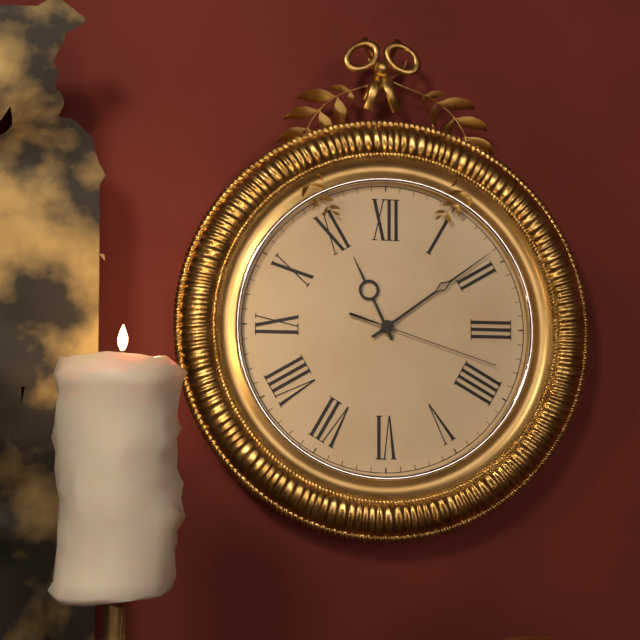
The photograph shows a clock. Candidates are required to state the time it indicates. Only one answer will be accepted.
11:09:18
